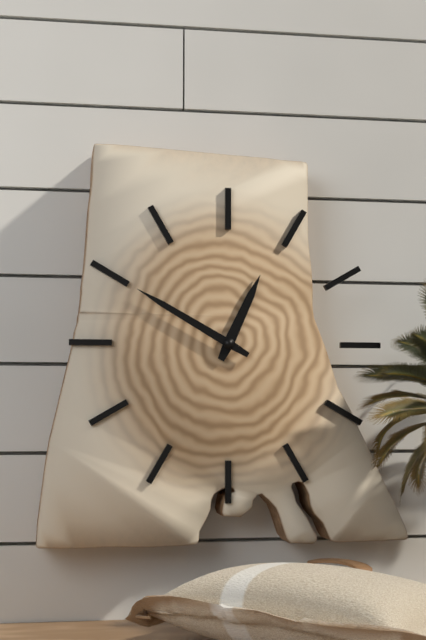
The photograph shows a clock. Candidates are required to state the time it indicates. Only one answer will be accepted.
12:50
